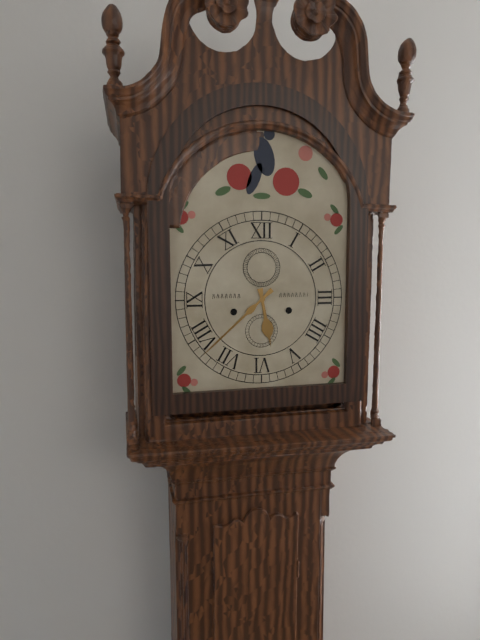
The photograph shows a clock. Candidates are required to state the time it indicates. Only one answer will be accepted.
5:38
